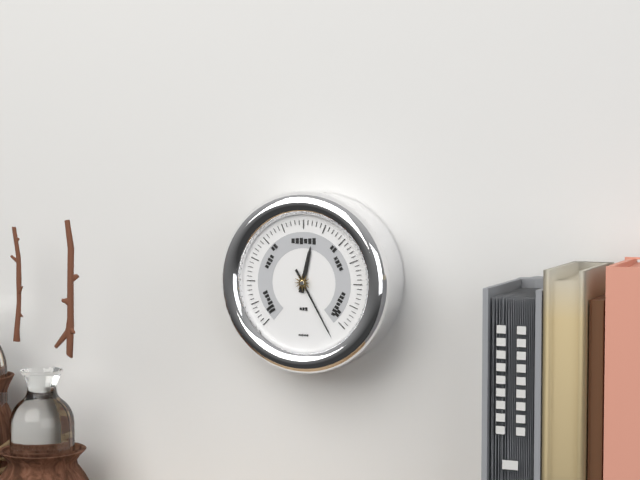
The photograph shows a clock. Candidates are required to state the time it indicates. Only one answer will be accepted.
12:25
